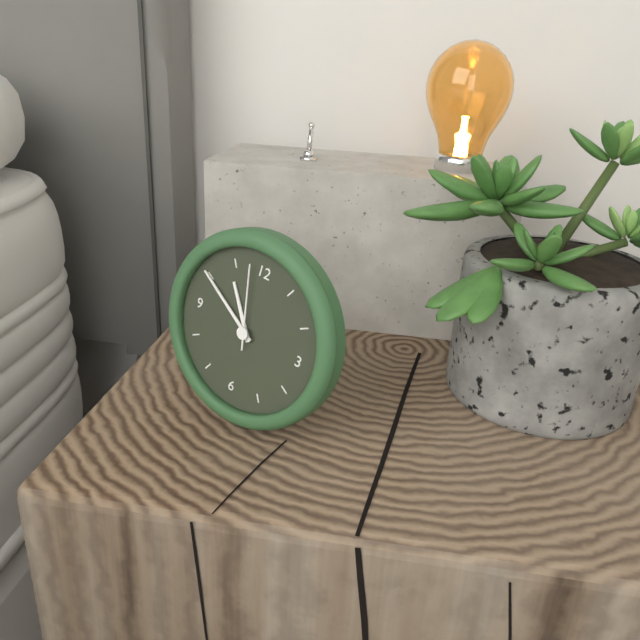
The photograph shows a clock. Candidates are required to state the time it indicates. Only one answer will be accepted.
10:50:58
